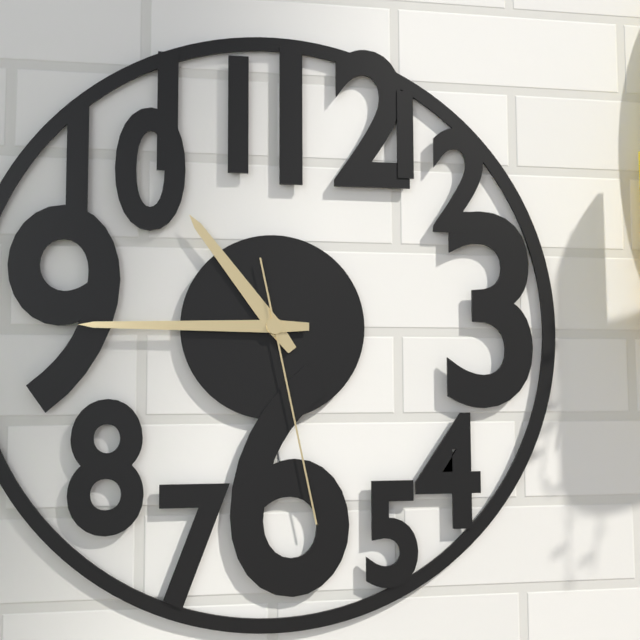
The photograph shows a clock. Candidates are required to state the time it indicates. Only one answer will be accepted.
10:45:28
